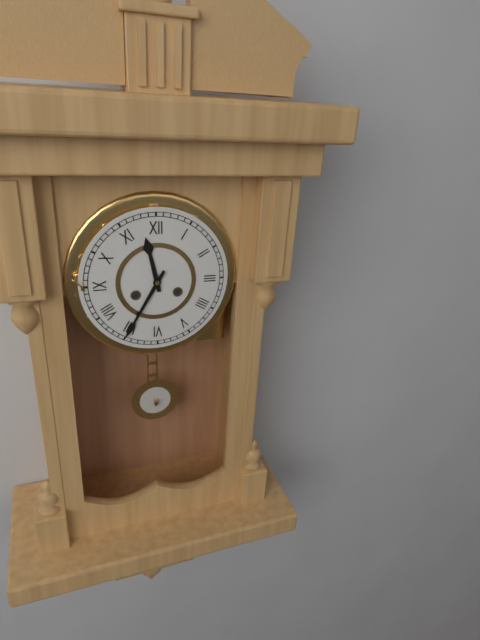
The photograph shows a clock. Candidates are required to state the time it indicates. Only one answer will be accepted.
11:35
